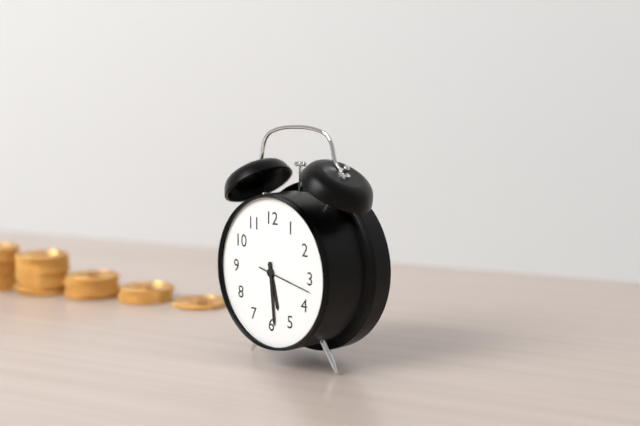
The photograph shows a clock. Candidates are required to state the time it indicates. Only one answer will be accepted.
5:29:17
